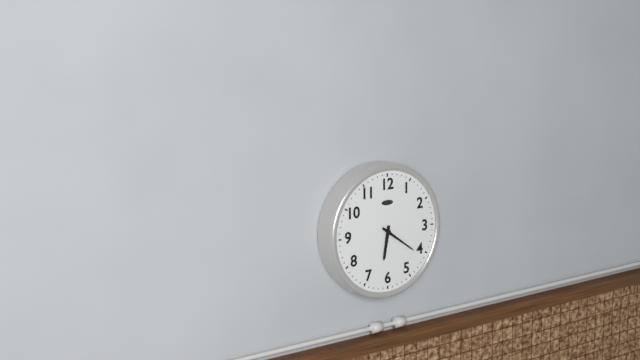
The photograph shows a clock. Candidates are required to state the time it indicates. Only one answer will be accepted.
6:21
